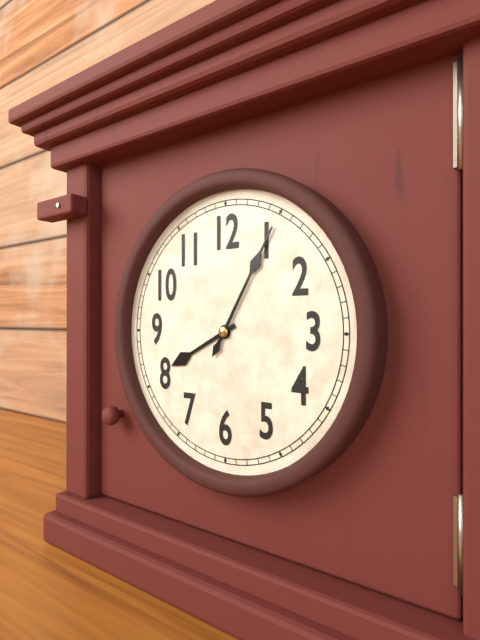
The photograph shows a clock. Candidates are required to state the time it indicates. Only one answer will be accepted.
8:05
